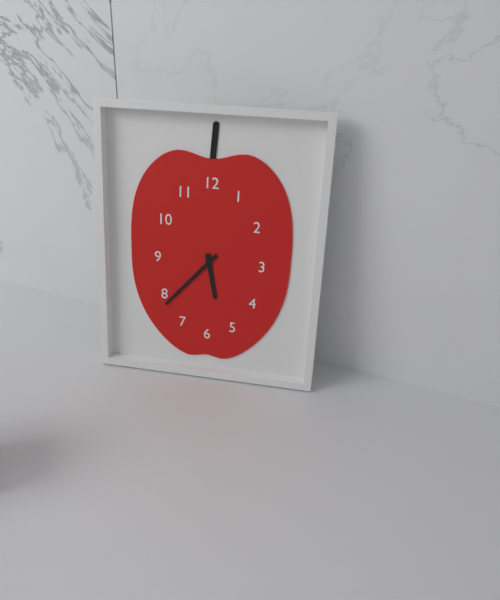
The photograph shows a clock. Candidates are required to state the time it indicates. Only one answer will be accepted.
5:37
